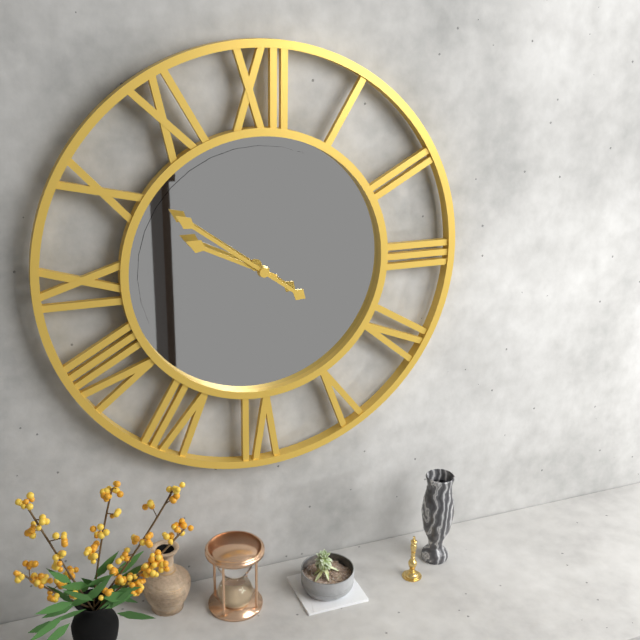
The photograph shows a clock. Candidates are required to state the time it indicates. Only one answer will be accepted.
9:51
